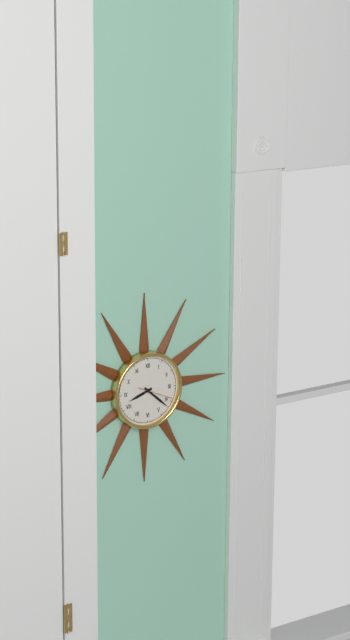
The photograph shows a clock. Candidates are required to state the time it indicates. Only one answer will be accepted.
8:22
